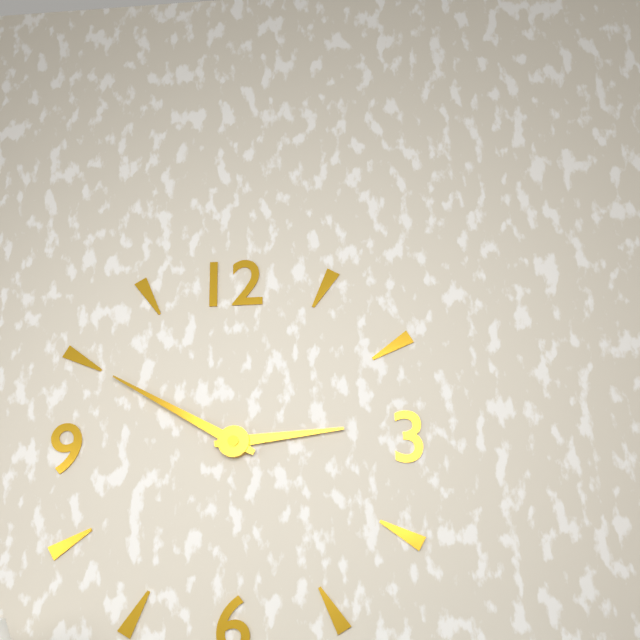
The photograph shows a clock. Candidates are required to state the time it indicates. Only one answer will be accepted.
2:50
